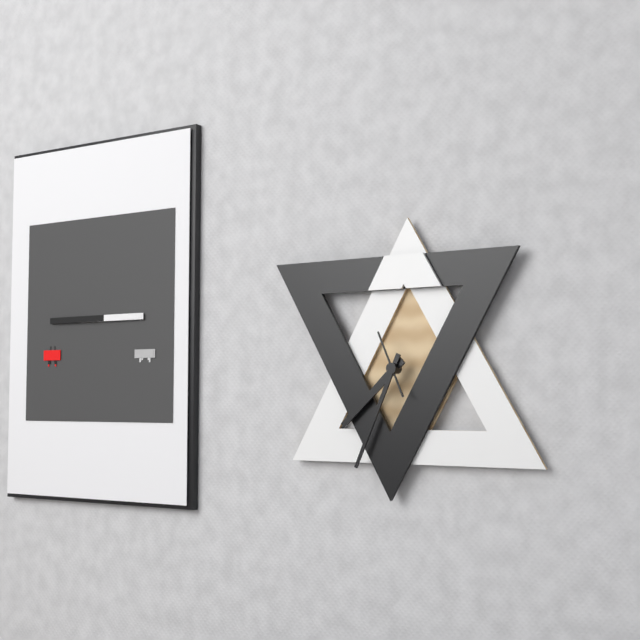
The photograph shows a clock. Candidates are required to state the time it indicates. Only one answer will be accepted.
7:34:56
